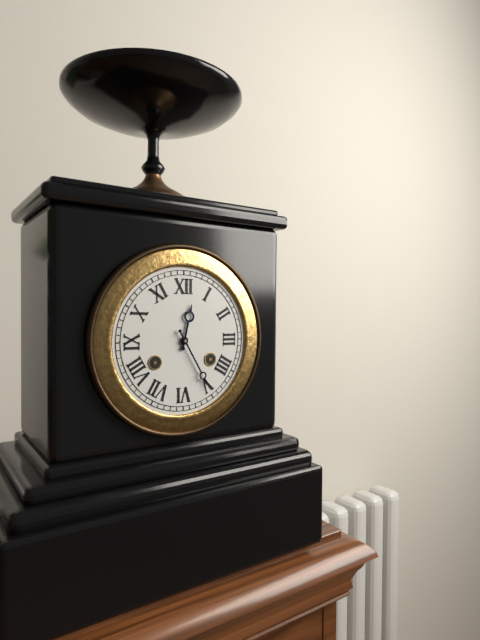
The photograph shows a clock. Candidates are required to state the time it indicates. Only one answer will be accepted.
12:25
